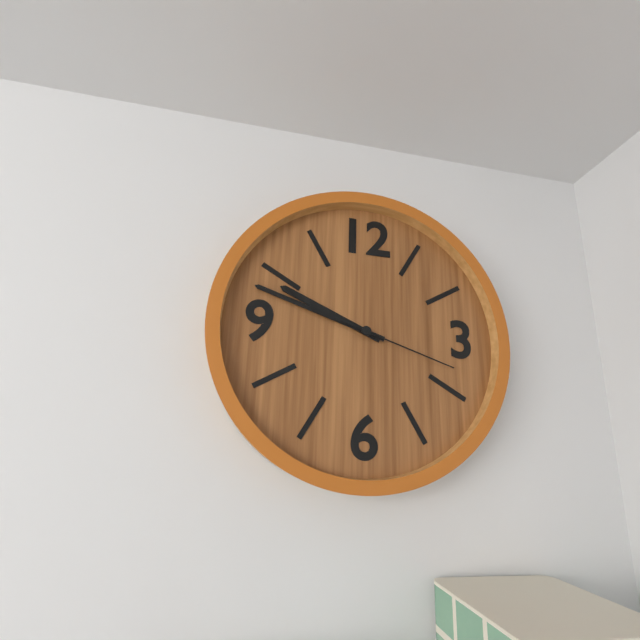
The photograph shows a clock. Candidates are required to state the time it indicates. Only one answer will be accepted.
9:48:18
